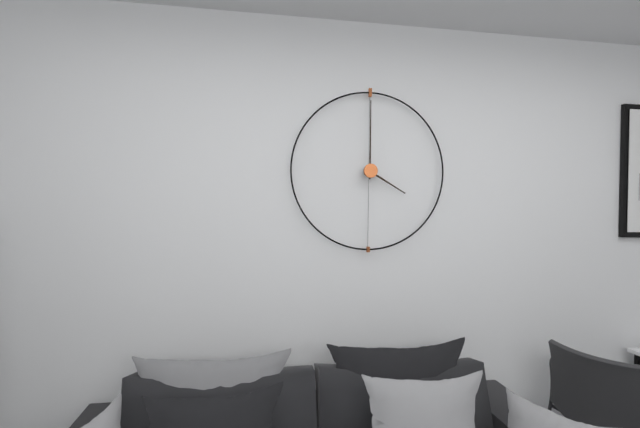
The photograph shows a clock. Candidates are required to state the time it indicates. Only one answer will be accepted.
4:00
